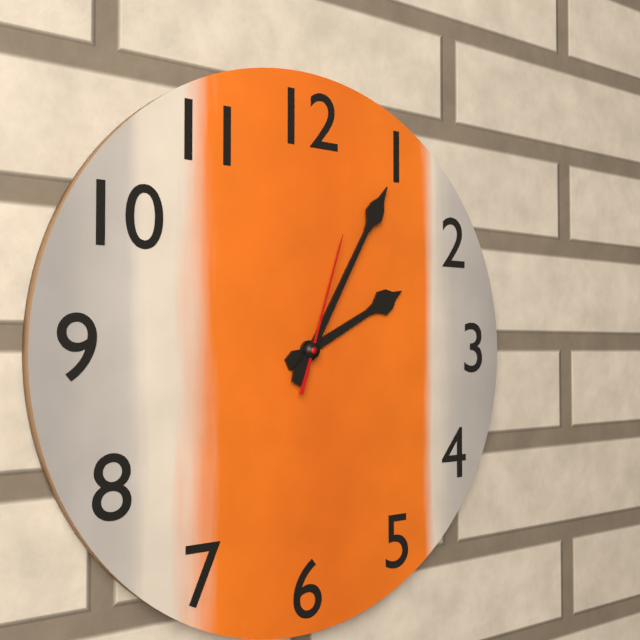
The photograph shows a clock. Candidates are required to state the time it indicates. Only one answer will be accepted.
2:05:03
